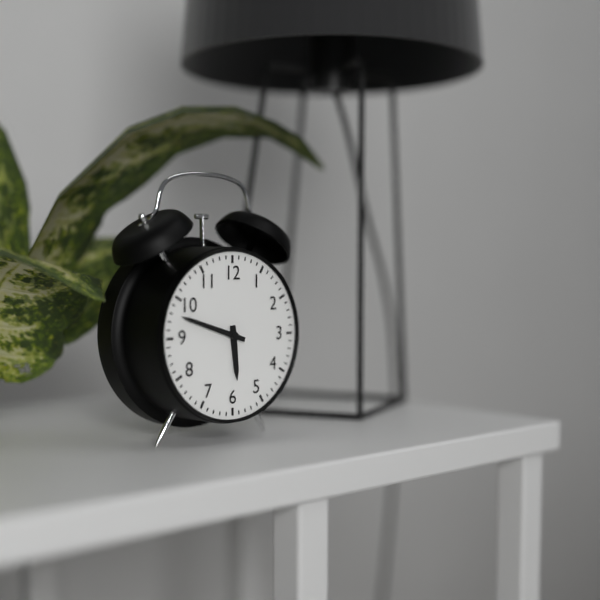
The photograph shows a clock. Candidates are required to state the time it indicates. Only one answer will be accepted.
5:48
